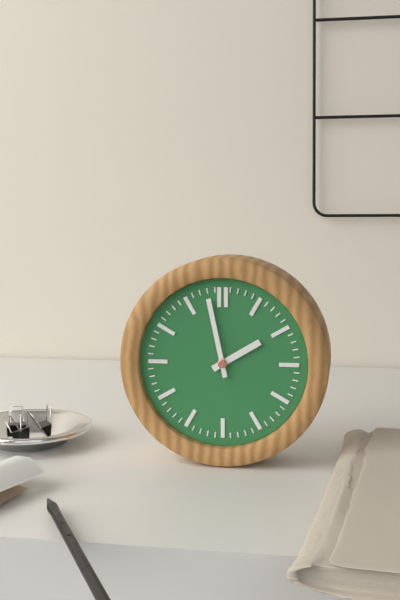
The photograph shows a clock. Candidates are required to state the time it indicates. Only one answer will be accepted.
1:58
